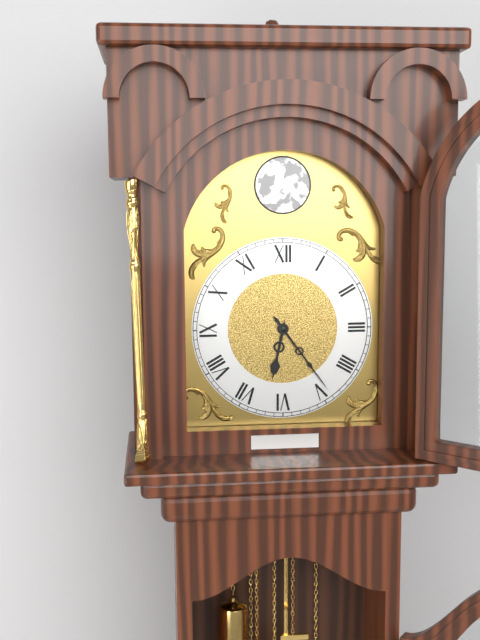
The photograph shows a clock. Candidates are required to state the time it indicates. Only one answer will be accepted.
6:24
